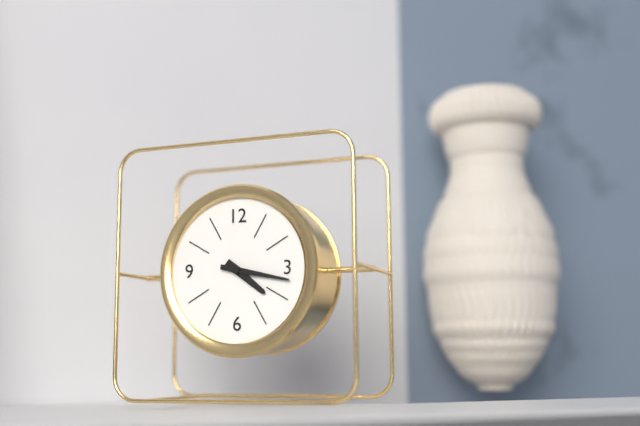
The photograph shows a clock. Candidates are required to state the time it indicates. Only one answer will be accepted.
4:17
